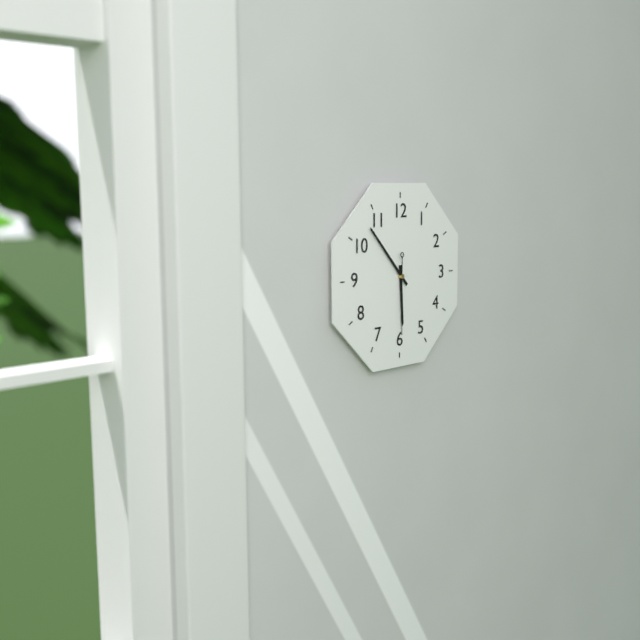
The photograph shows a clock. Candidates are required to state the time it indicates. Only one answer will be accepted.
5:53:30
